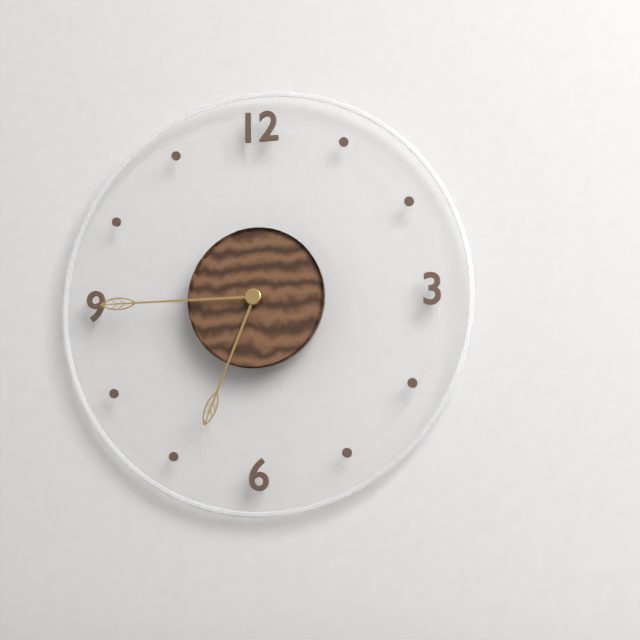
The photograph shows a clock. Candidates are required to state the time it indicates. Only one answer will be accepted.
6:45
